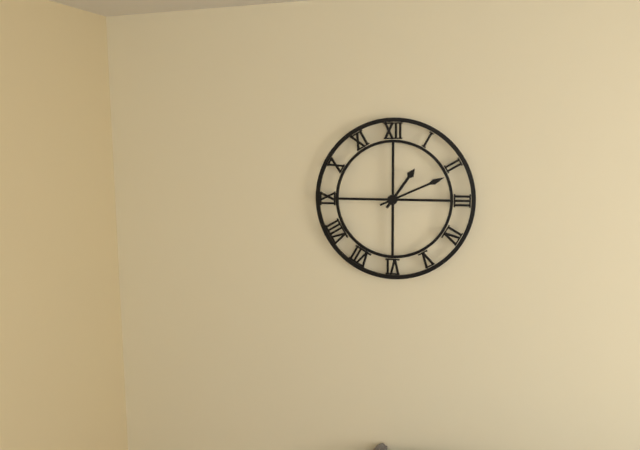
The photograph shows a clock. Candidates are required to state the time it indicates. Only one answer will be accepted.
1:11
